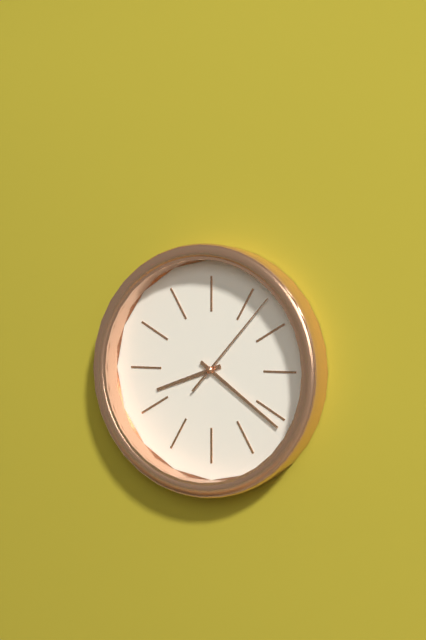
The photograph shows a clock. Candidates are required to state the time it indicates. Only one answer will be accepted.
8:21:07
